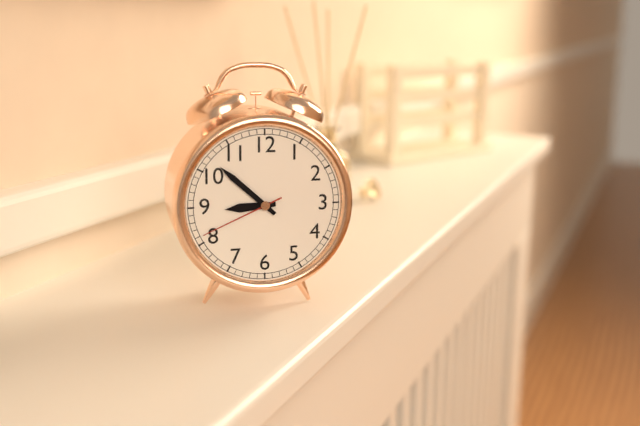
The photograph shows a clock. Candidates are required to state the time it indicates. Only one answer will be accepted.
8:52:41
